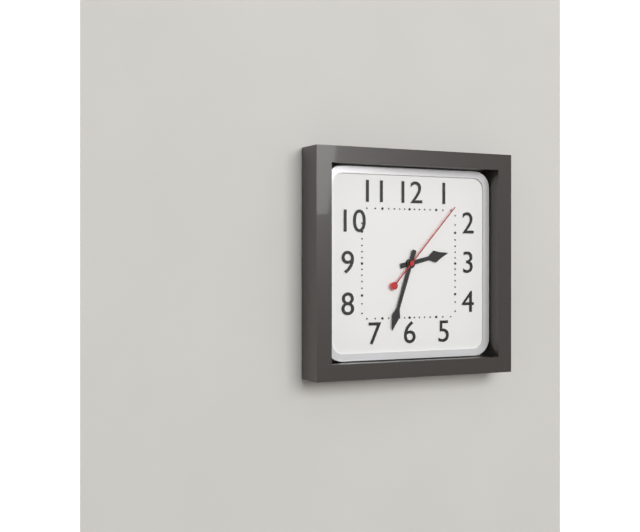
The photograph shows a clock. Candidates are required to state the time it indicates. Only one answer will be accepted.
2:33:07
